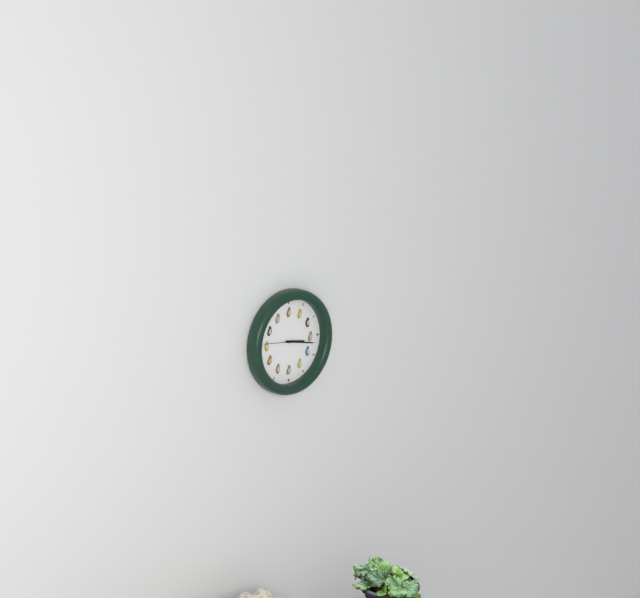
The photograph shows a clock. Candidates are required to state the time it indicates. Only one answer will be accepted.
3:17
